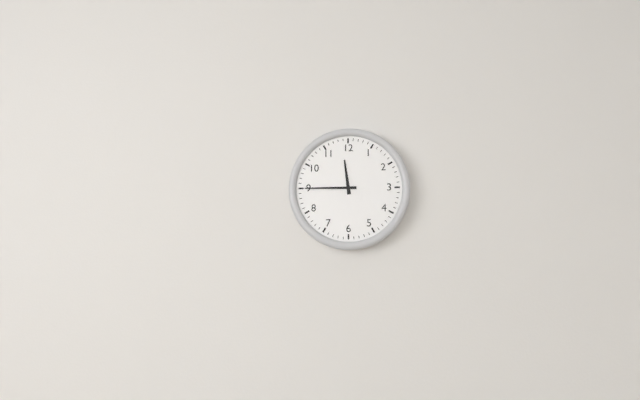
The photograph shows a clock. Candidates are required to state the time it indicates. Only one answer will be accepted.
11:45
